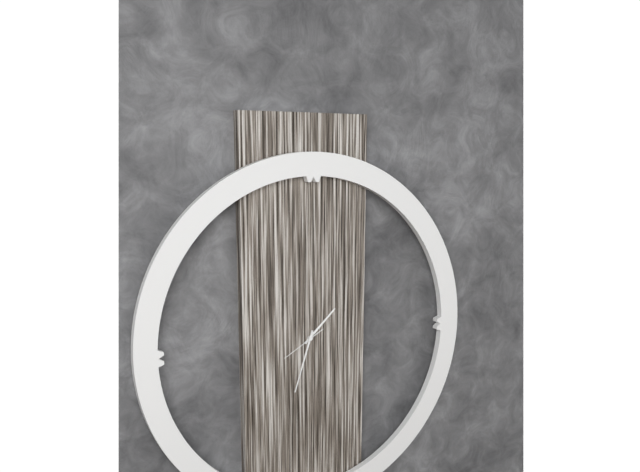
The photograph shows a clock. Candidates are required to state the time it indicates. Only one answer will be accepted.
1:33
